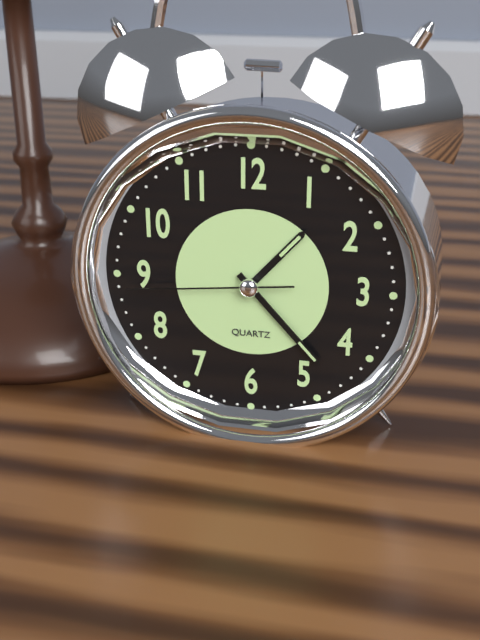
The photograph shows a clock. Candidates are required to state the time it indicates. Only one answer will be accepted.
1:23:44
